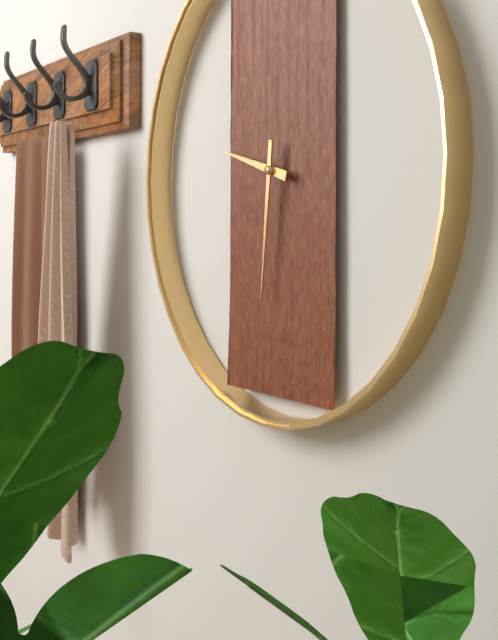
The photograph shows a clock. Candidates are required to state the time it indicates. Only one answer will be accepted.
9:31
